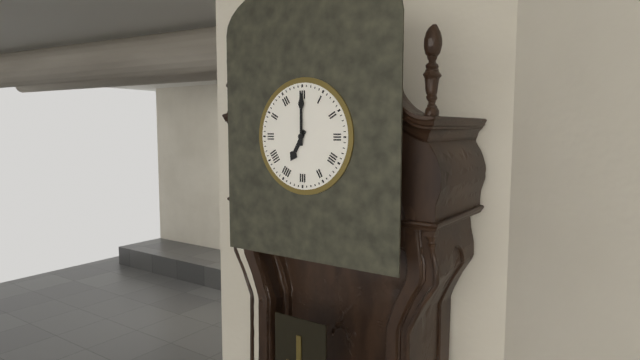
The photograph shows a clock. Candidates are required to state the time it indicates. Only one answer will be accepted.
7:00
